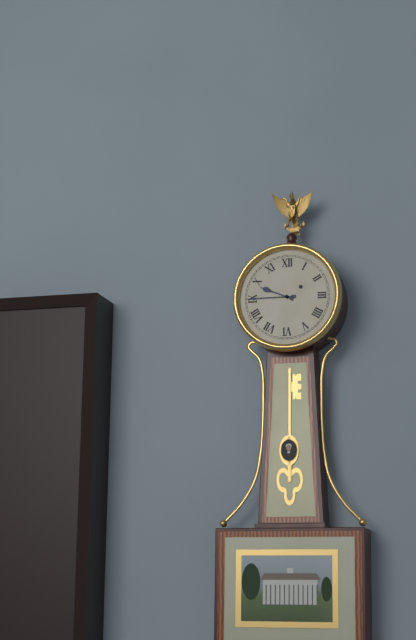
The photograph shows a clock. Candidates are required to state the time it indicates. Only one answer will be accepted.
9:45
